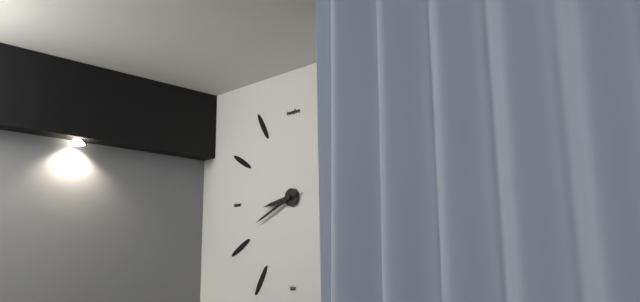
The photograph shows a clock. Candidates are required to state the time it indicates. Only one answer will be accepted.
8:41
